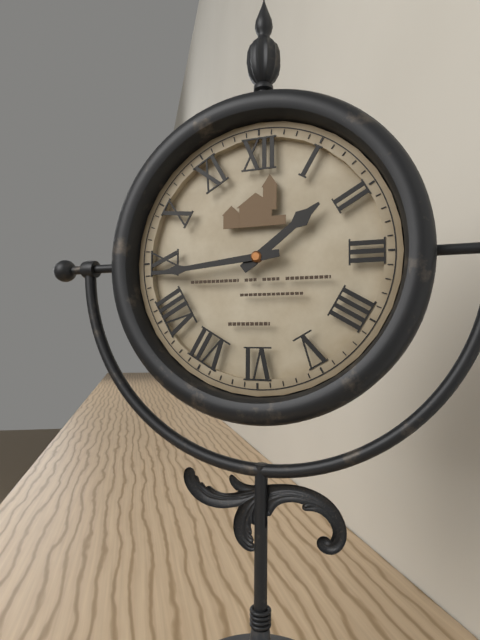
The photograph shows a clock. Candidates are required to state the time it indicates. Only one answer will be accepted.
1:44
